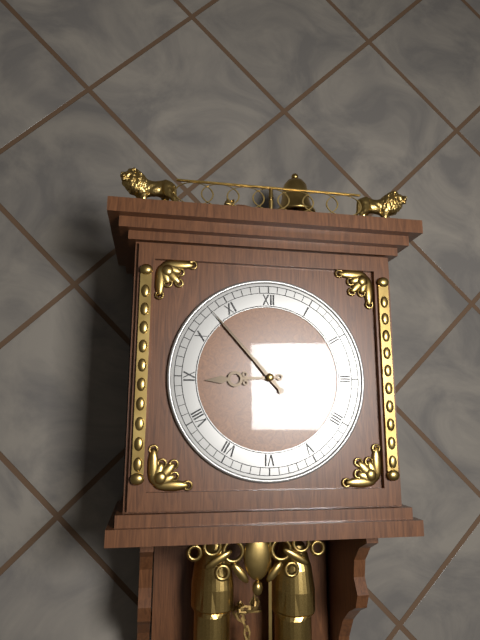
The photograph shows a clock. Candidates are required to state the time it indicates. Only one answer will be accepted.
8:53
